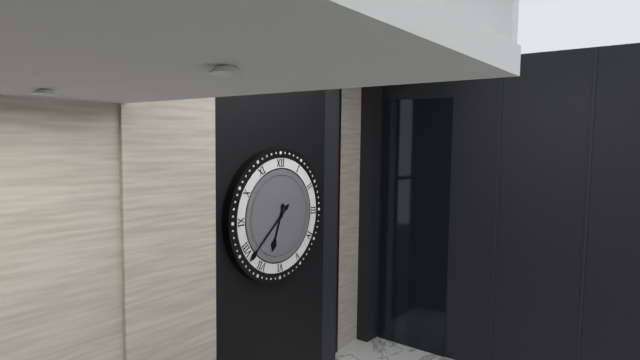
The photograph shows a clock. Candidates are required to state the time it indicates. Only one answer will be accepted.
6:38
